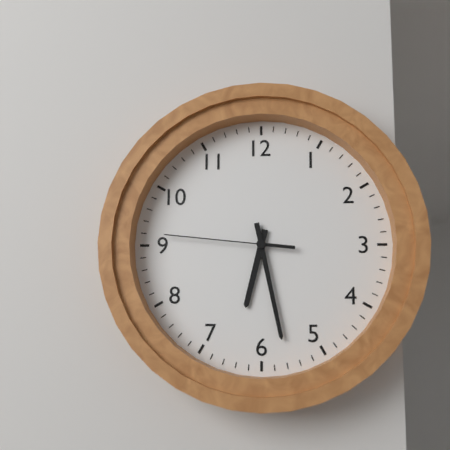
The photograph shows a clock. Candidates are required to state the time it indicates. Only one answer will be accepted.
6:28:46
